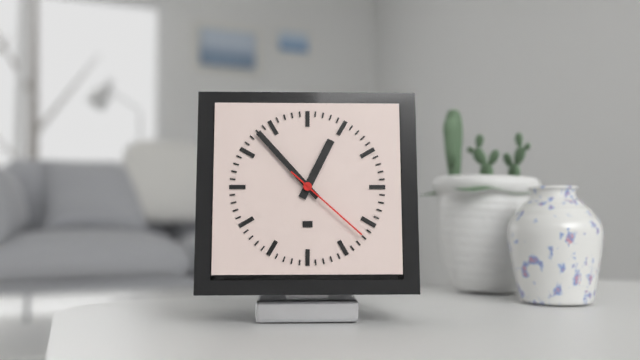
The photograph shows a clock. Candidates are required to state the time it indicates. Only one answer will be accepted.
12:53:22
